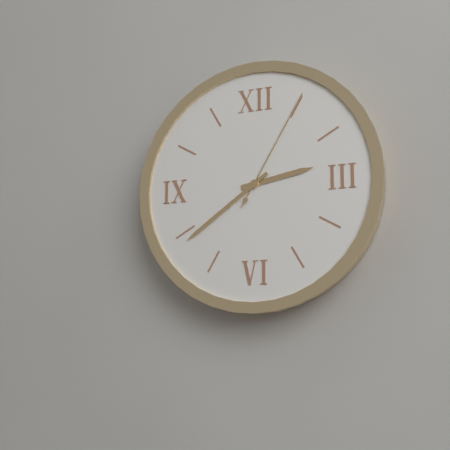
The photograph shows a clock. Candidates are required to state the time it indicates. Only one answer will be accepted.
2:39:05
